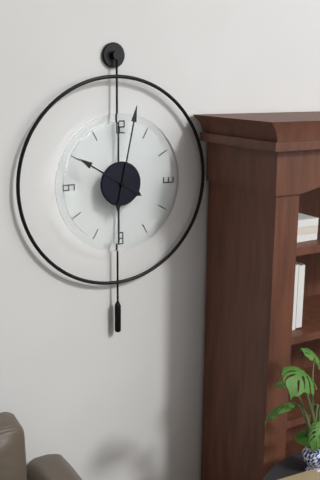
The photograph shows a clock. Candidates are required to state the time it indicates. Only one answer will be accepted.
10:02
